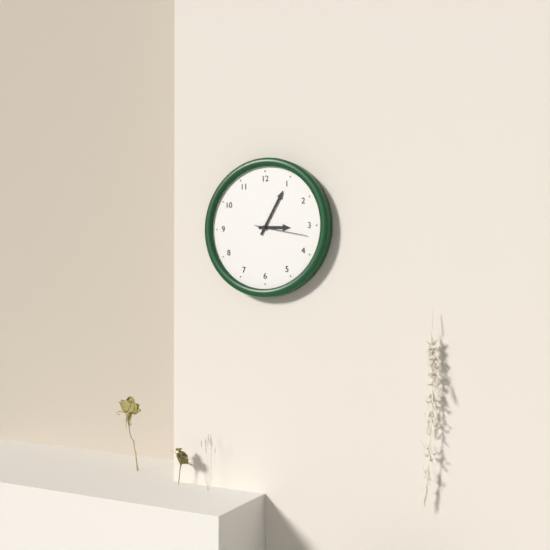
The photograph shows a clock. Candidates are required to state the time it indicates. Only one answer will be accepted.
3:05:17
